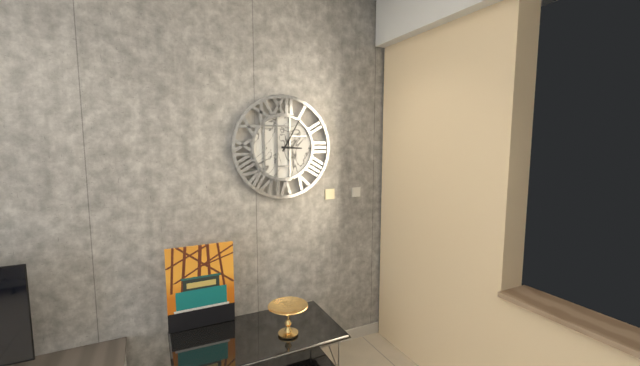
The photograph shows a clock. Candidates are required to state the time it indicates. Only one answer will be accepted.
3:05
